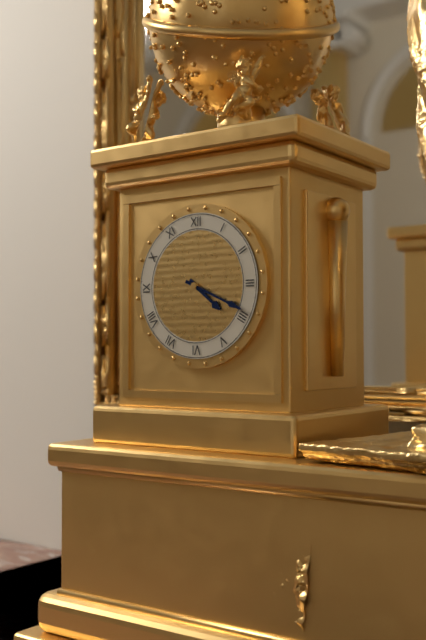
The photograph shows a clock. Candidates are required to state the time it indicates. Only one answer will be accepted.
4:19
